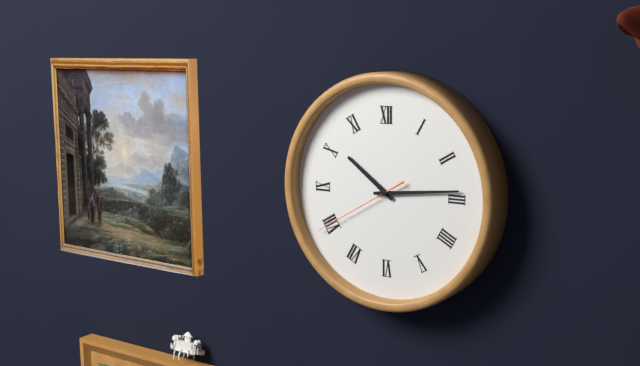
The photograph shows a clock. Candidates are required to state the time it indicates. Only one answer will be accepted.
10:14:40
